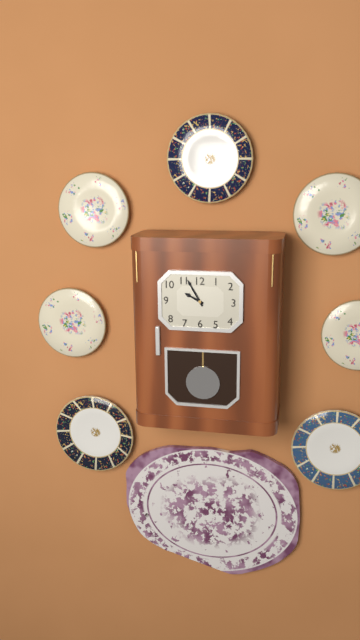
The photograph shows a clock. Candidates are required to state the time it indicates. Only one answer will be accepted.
9:55
